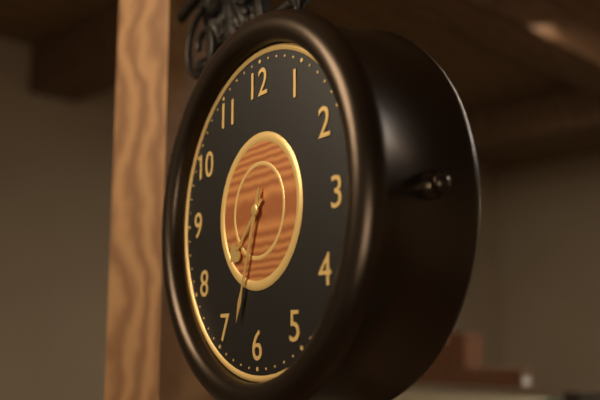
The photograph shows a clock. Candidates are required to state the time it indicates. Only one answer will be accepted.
7:33
